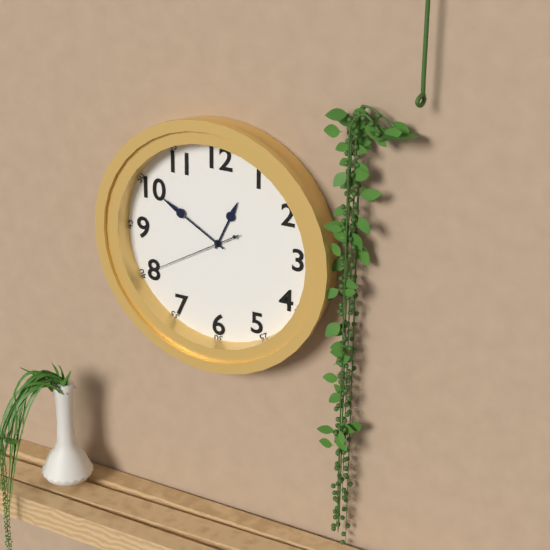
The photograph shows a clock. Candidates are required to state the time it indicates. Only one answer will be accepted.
12:50:40
